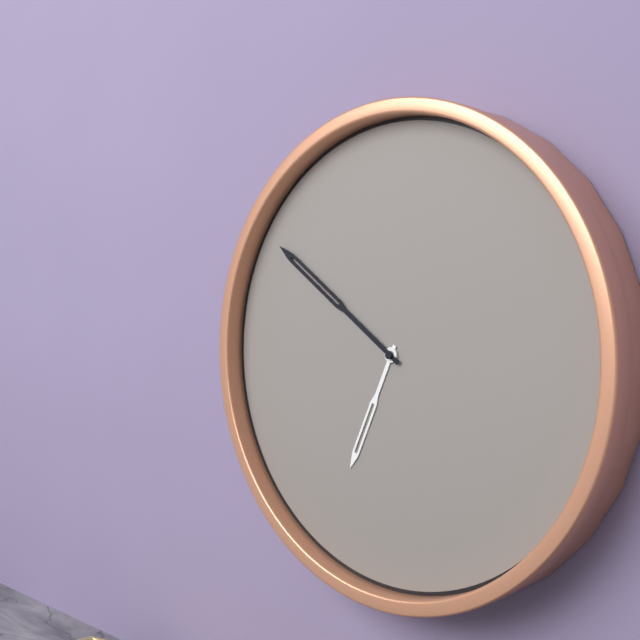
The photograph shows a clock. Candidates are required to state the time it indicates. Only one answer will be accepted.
6:51
